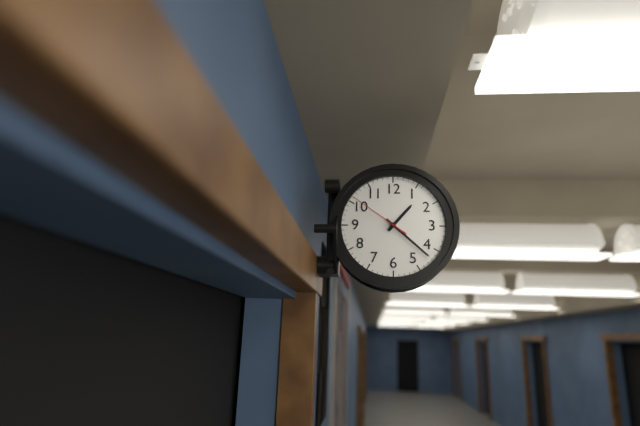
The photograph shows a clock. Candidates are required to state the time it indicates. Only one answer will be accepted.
1:22:51
